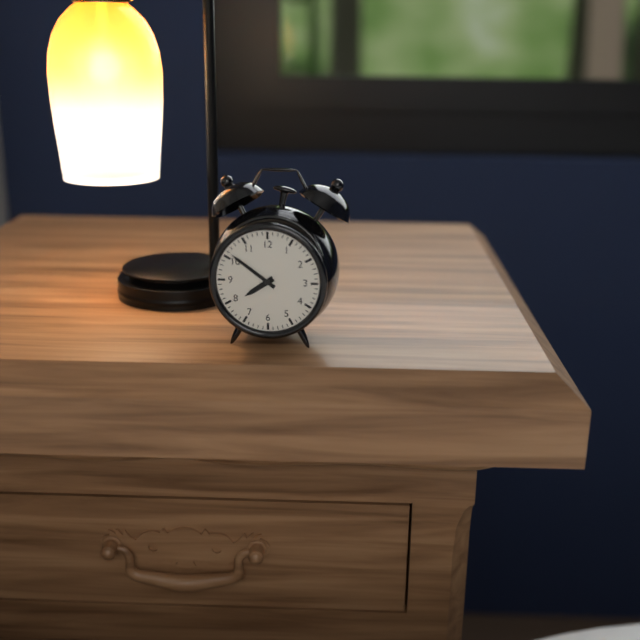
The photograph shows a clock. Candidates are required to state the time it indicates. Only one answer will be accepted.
7:51
